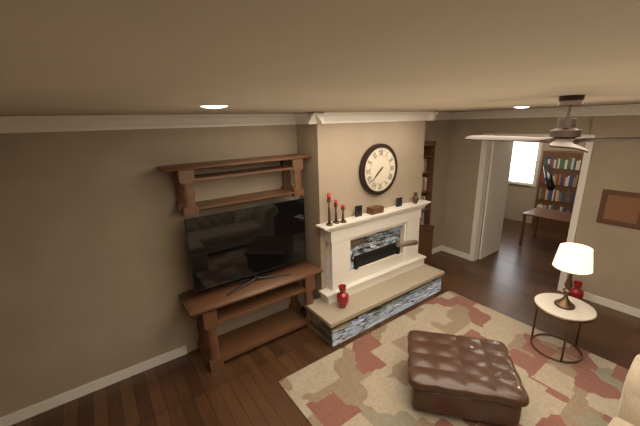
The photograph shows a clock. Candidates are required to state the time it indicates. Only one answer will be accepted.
7:38
